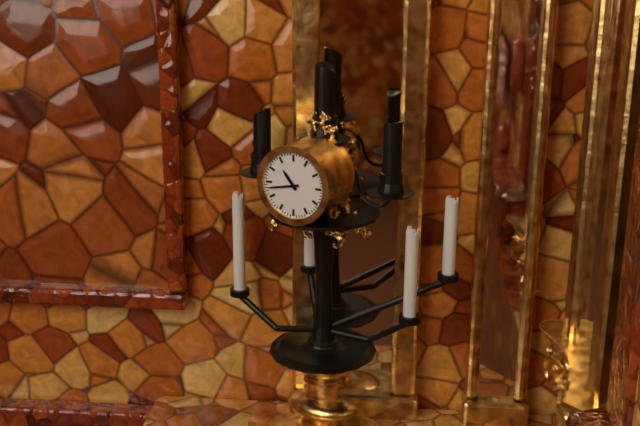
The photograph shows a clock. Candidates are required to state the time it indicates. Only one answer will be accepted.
10:43
